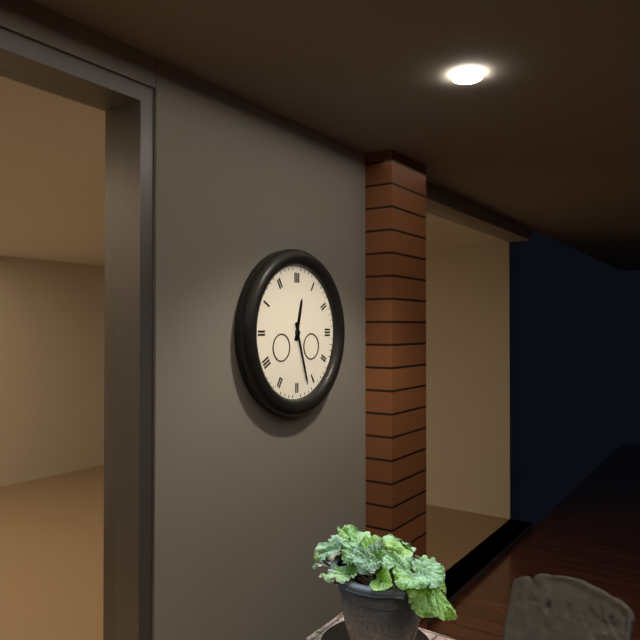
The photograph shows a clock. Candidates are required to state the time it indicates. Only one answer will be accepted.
12:27
